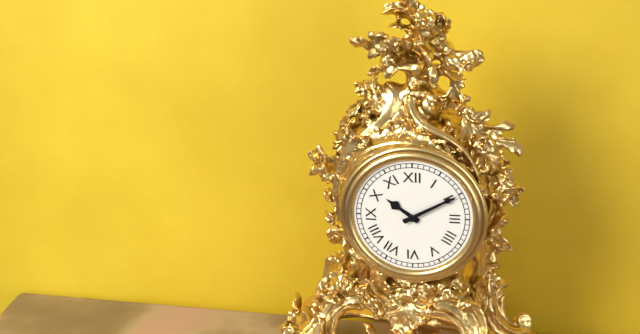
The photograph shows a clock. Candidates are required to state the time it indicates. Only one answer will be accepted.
10:10
